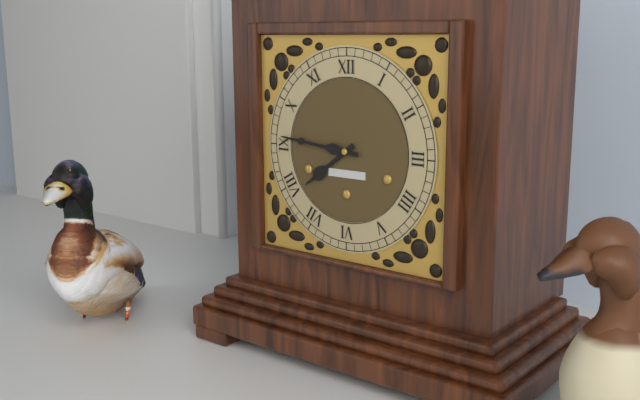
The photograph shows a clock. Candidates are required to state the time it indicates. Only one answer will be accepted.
7:46
